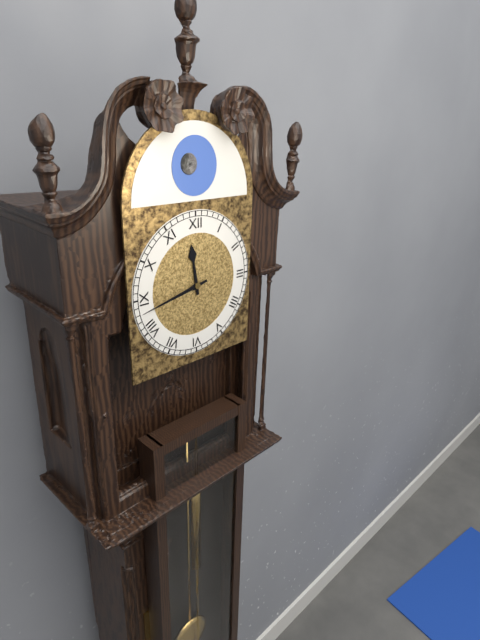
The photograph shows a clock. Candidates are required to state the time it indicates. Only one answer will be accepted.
11:43
